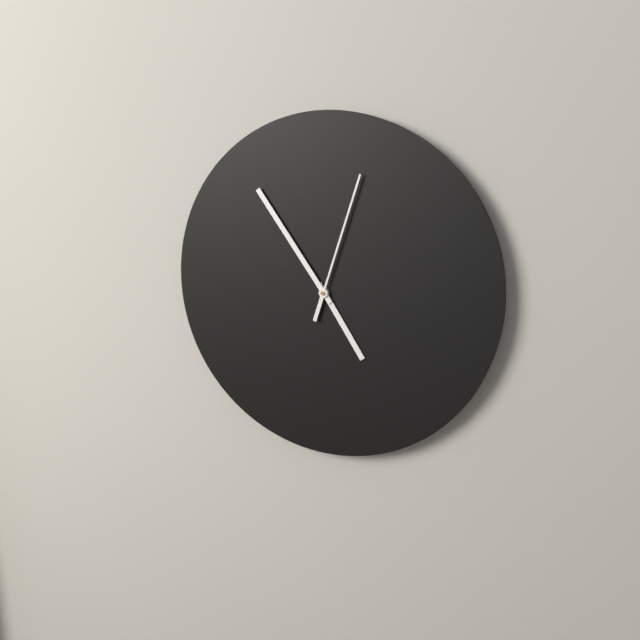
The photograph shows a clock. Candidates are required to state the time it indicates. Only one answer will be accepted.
4:54:03
